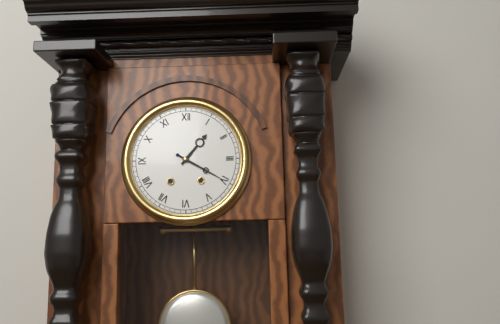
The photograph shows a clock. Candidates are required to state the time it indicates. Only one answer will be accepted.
1:20
